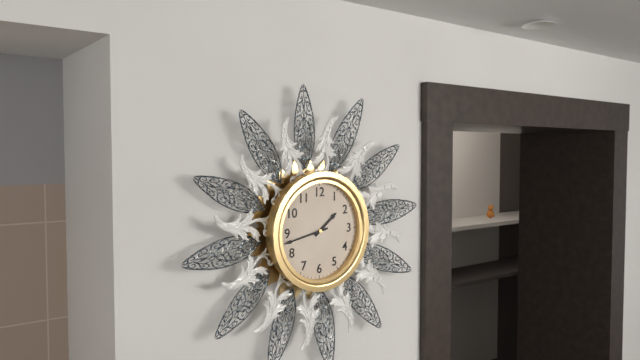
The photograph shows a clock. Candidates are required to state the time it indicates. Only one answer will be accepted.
1:43
